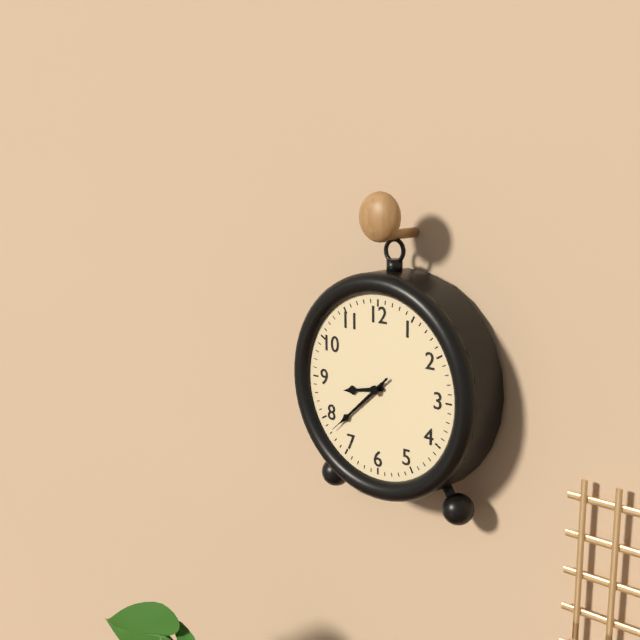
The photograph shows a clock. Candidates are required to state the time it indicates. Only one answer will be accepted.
8:38:38
